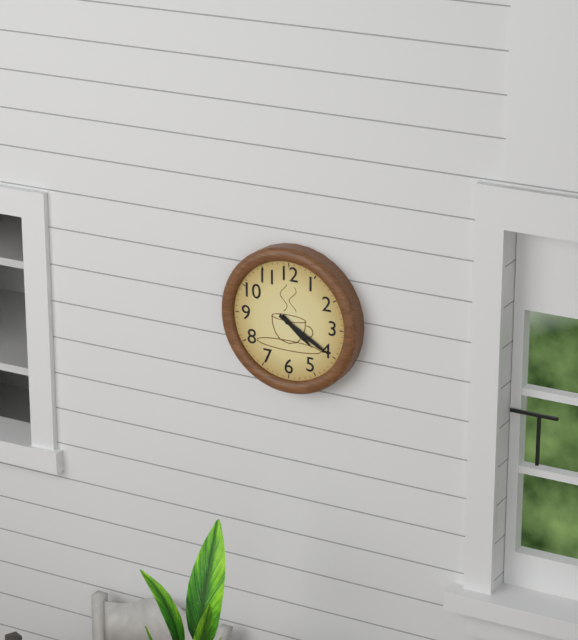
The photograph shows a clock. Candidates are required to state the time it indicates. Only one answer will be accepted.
4:20
